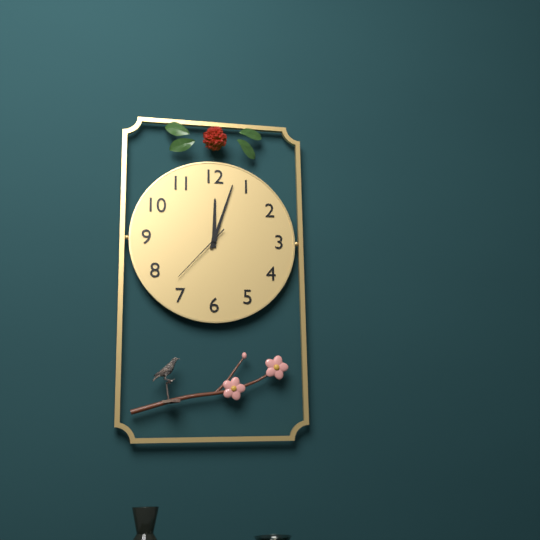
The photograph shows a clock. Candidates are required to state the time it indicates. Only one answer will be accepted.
12:03:37
